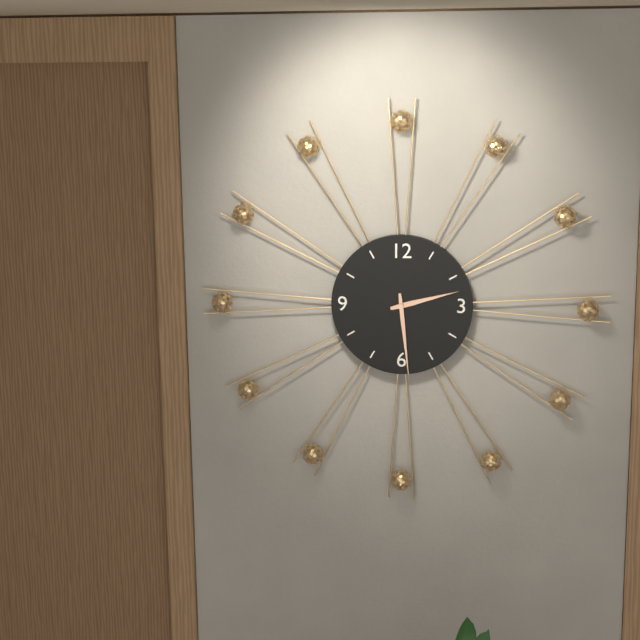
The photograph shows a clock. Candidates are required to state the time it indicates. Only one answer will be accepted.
2:29
